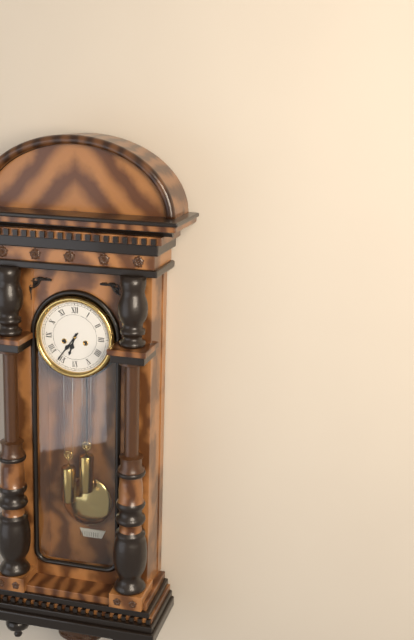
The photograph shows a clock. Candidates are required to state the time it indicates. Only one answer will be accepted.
6:36
